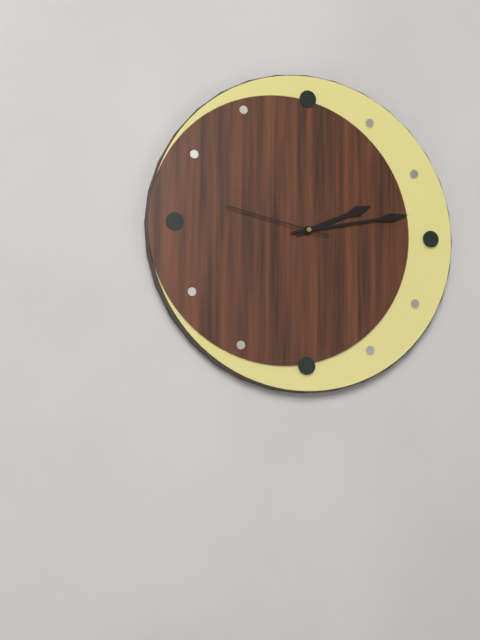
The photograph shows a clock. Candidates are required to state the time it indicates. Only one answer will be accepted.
2:13:47
